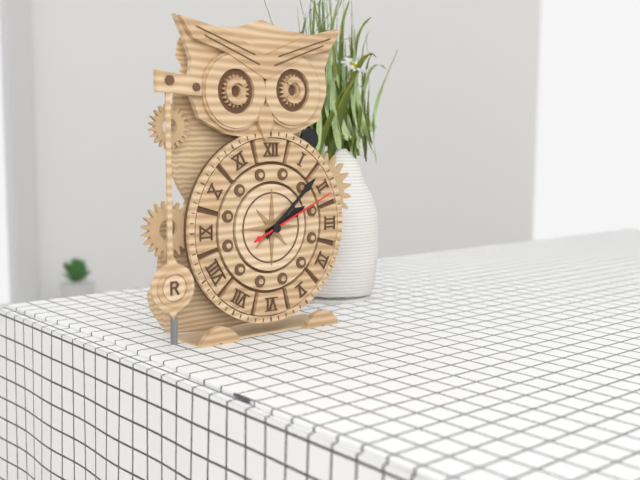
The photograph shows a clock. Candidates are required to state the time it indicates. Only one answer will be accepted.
2:08:11
